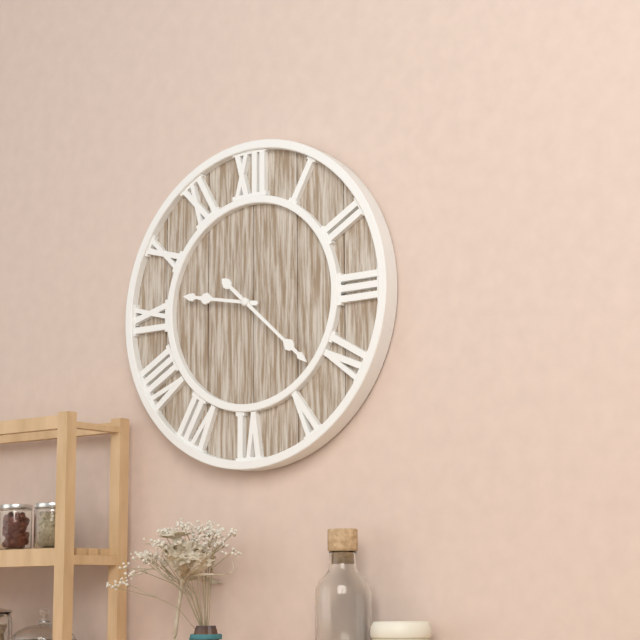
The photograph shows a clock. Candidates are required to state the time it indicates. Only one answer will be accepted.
9:22
